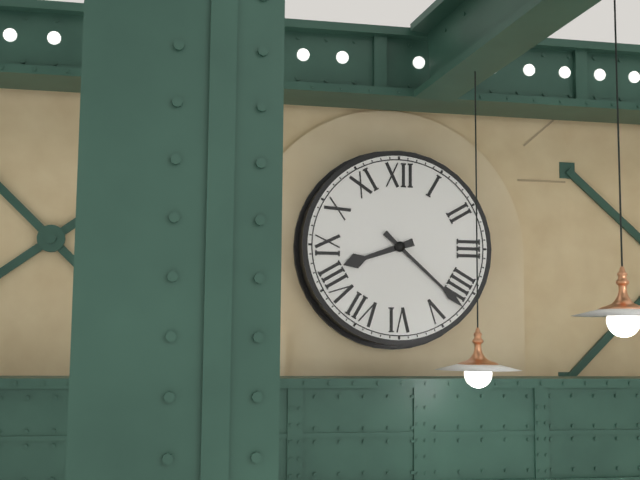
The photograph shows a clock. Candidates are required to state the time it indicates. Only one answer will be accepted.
8:22
